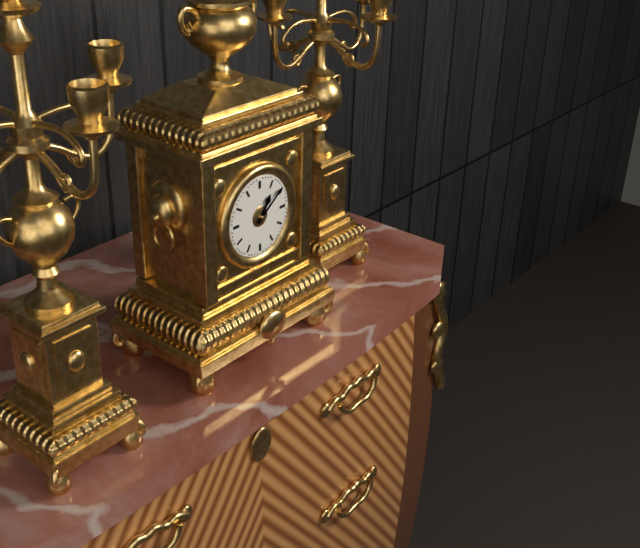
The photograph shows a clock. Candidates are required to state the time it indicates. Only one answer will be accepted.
1:09
